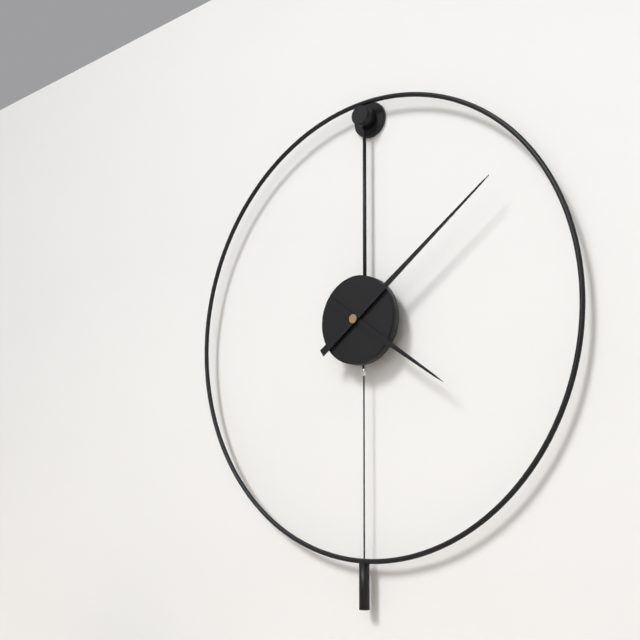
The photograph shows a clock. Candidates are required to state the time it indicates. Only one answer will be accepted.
4:09
